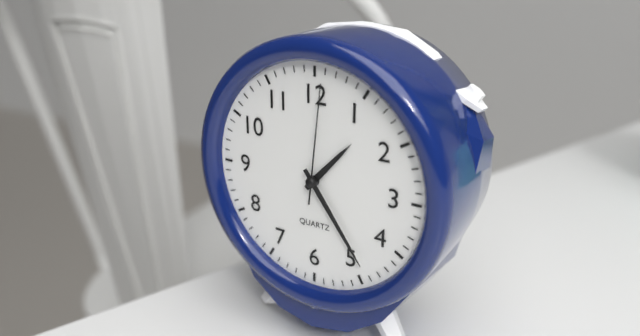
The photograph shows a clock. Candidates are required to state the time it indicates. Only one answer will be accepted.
1:24:01
